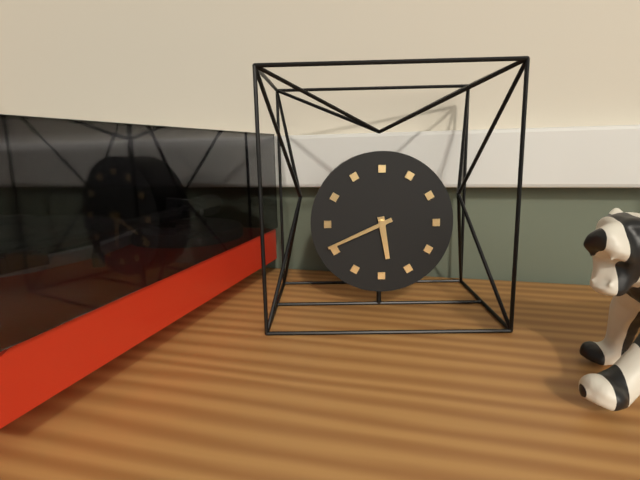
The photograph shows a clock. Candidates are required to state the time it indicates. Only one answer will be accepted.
5:41
